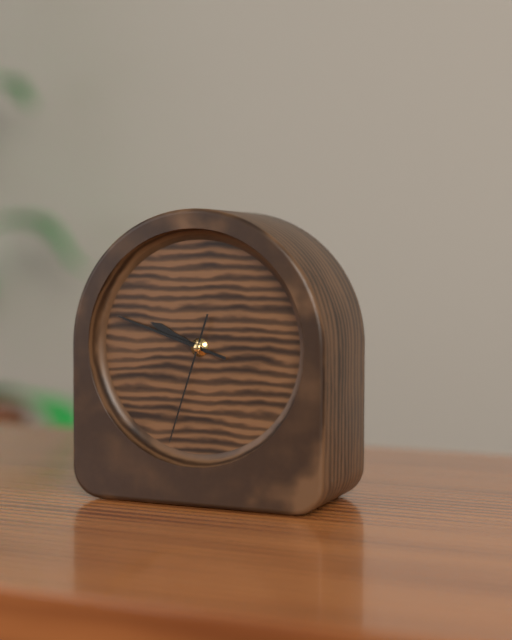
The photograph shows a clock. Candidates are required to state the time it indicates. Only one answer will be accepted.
9:48:33
